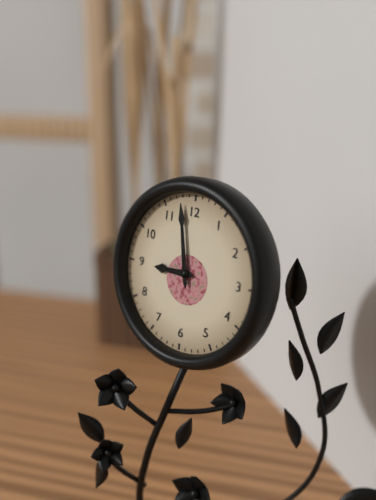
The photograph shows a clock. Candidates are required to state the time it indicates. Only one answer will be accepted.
8:58
